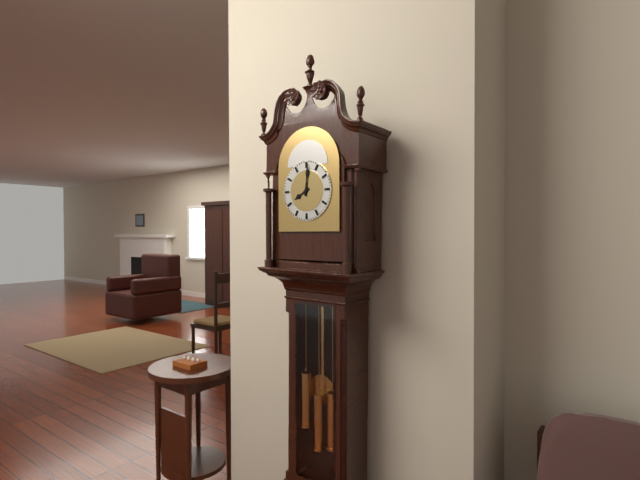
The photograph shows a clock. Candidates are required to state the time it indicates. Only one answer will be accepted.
8:01
